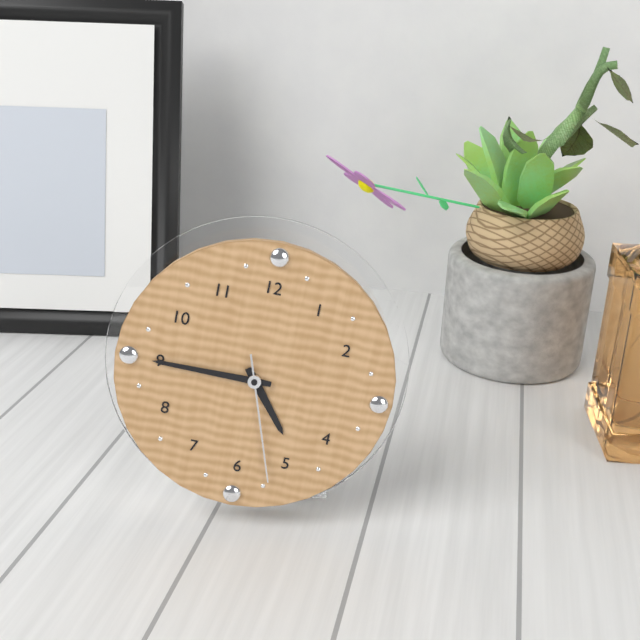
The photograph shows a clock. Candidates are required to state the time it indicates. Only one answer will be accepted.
4:45:27
